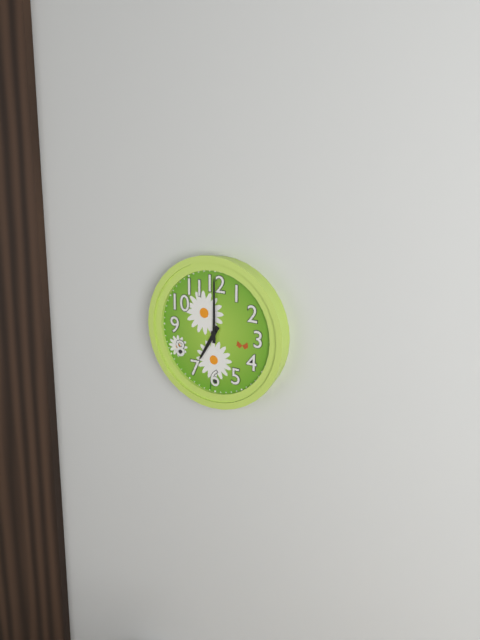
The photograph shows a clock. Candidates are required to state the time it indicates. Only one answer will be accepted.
7:00
